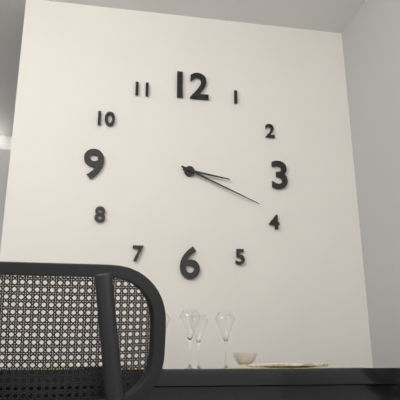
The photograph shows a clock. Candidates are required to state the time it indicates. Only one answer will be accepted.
3:19
